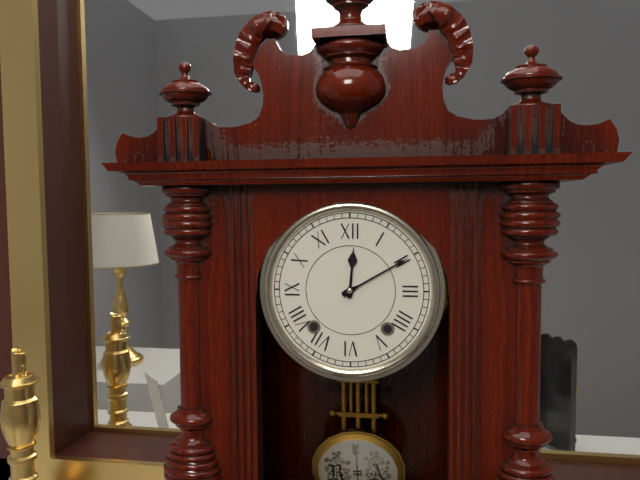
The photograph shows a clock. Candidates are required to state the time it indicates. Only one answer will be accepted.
12:10
